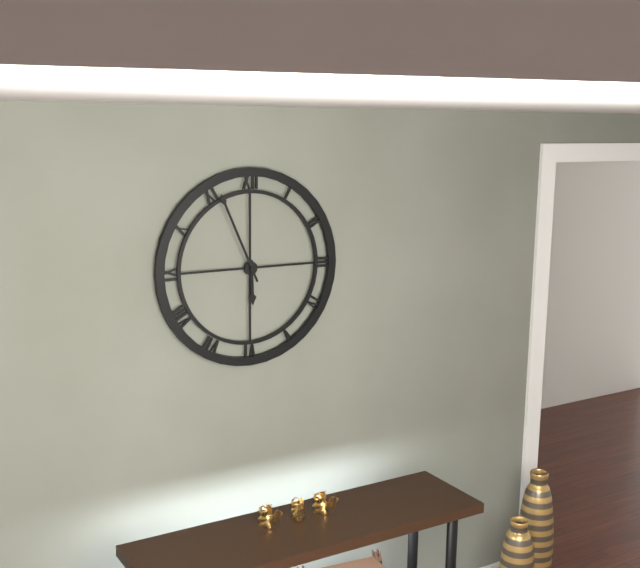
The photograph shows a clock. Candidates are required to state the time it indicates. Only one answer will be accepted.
5:56
